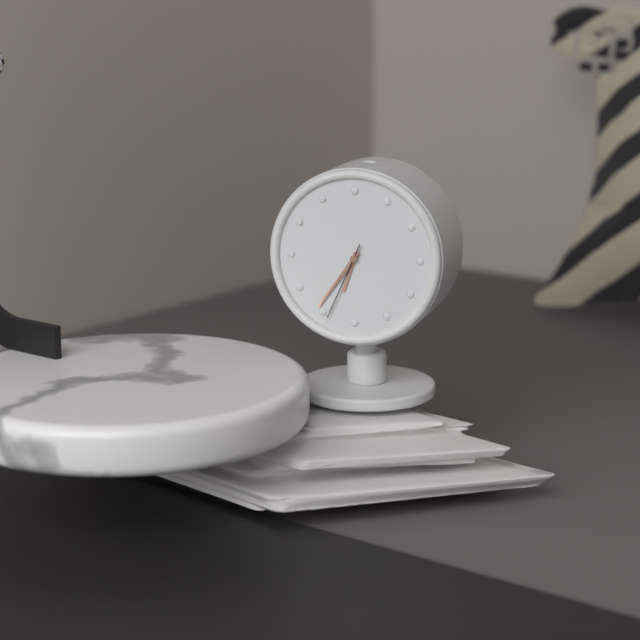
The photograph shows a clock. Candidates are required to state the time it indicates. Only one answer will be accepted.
6:36:34
